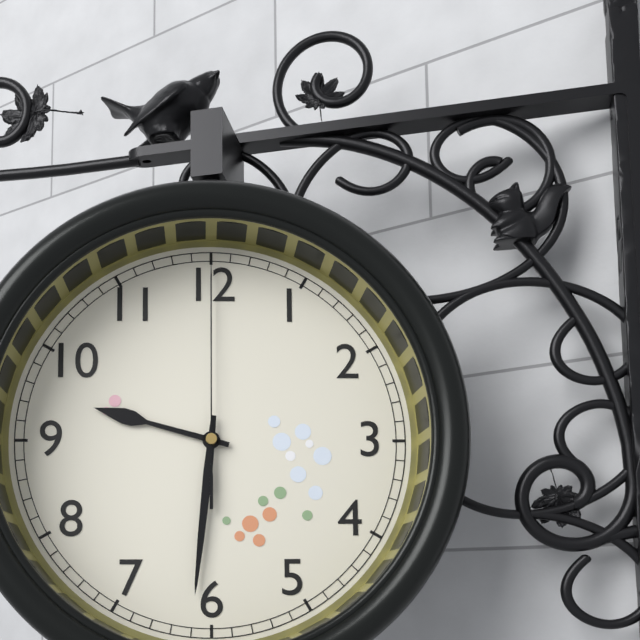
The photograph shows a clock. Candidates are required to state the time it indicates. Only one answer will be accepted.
9:31:00
